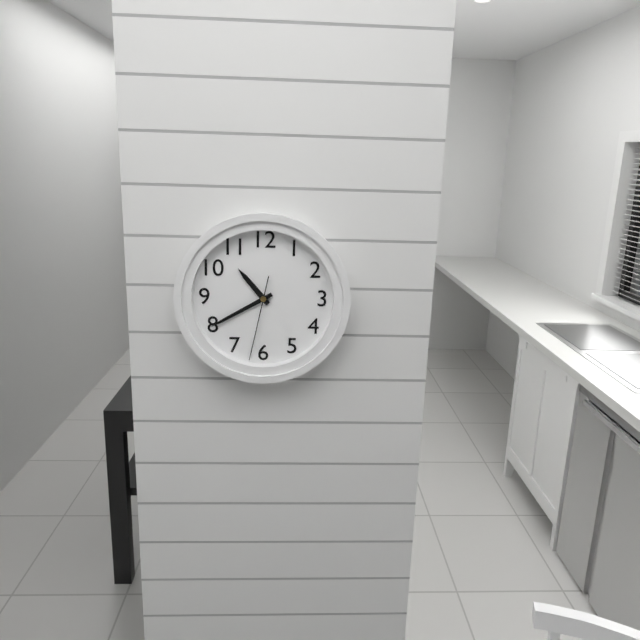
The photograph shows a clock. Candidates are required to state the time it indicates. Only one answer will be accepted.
10:40:32
